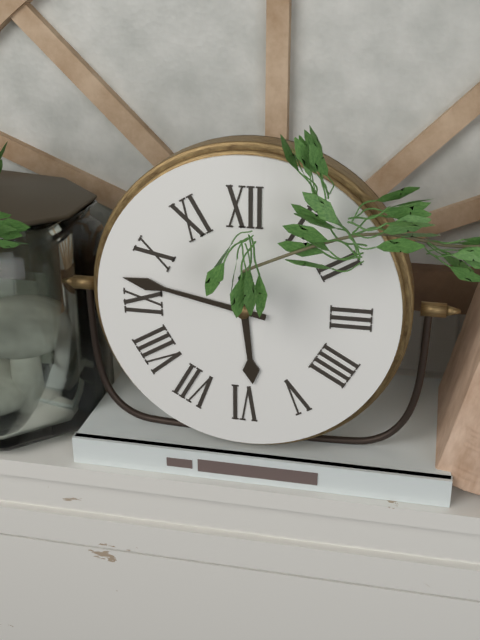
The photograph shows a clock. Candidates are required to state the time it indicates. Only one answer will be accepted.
5:47
